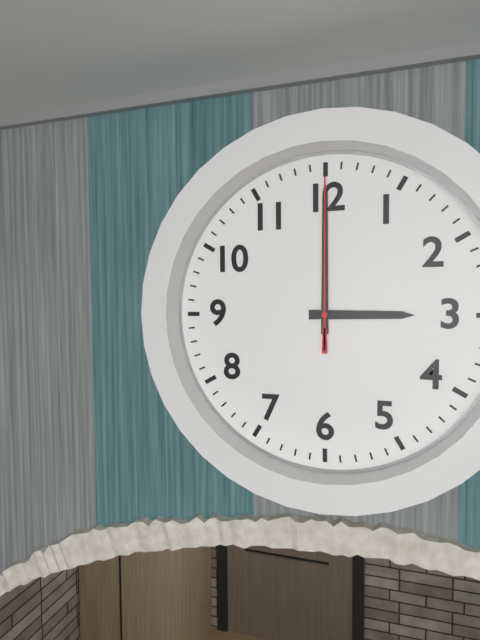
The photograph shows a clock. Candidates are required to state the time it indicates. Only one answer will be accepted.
3:00:00
